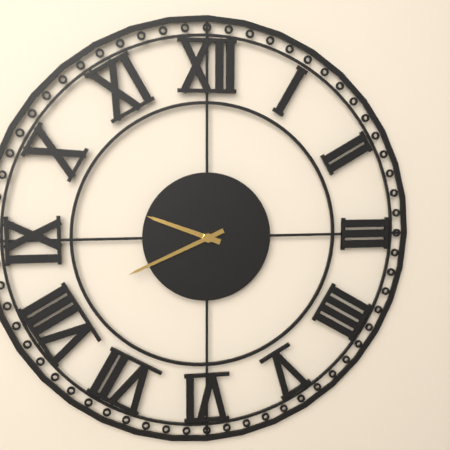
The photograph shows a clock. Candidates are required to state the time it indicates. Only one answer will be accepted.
9:41
